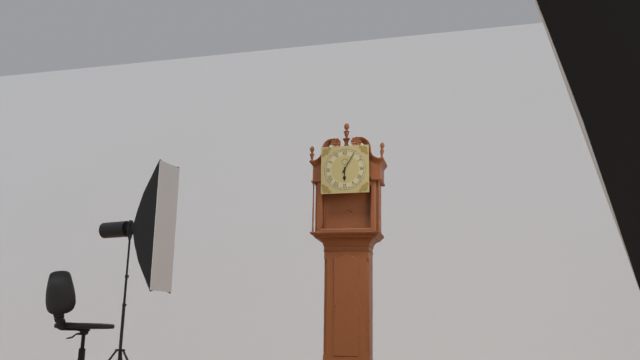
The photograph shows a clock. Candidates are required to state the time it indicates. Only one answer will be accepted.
6:05
